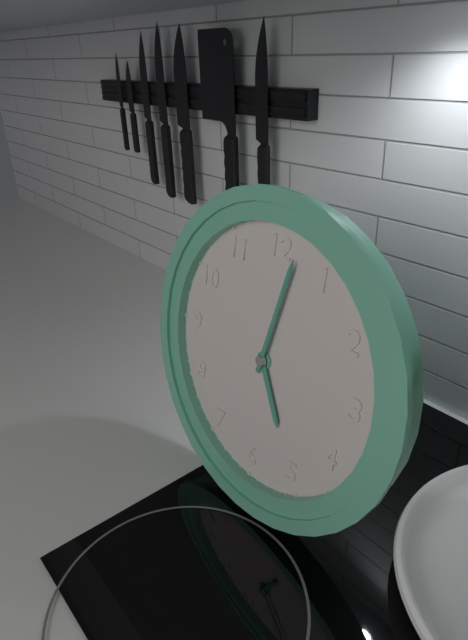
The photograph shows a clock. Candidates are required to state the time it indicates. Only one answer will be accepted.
5:02
